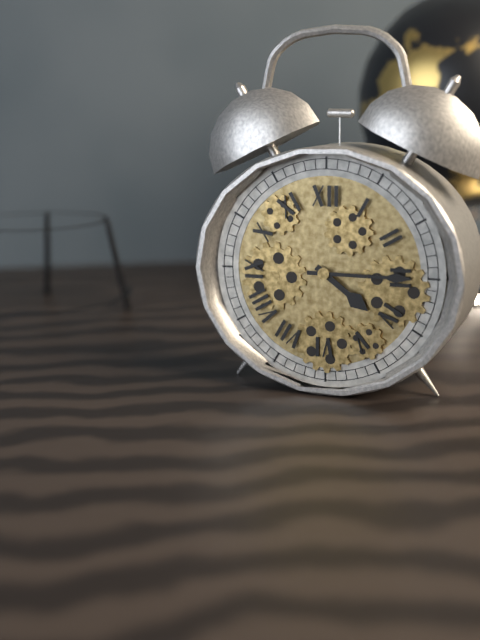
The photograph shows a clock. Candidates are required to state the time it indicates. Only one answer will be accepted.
4:15
